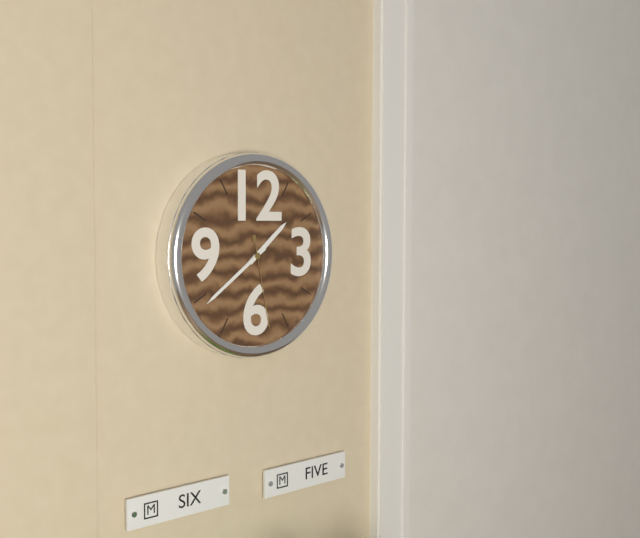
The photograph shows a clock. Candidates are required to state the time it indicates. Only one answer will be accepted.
1:39:28
